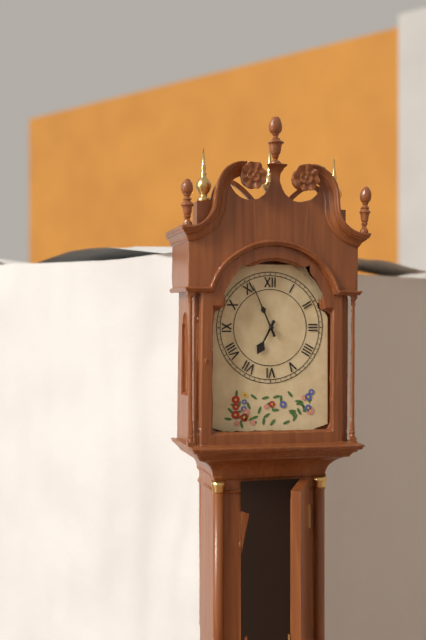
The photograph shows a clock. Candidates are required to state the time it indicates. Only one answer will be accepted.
6:56
